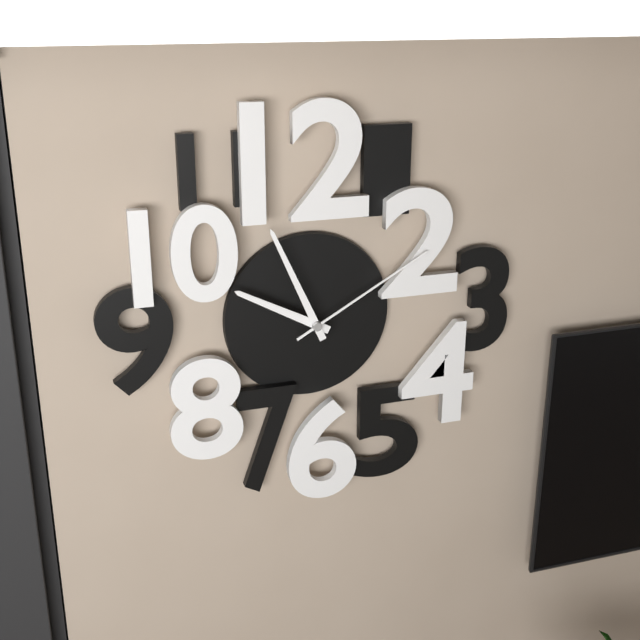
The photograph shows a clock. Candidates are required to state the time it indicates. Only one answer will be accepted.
9:56:10
